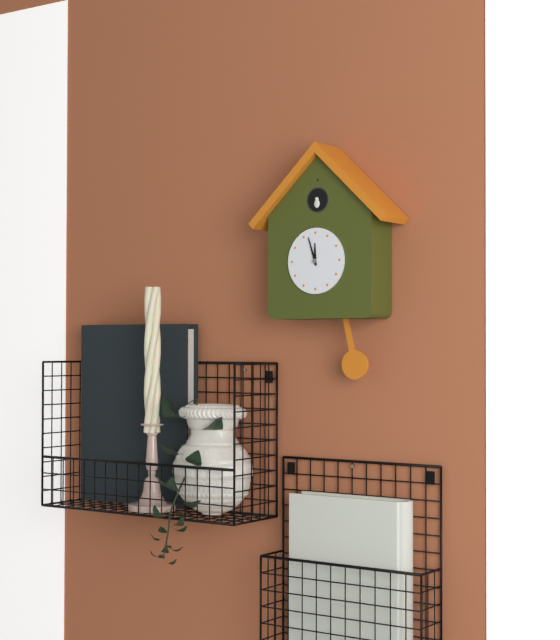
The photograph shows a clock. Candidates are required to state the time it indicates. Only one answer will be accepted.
11:57
